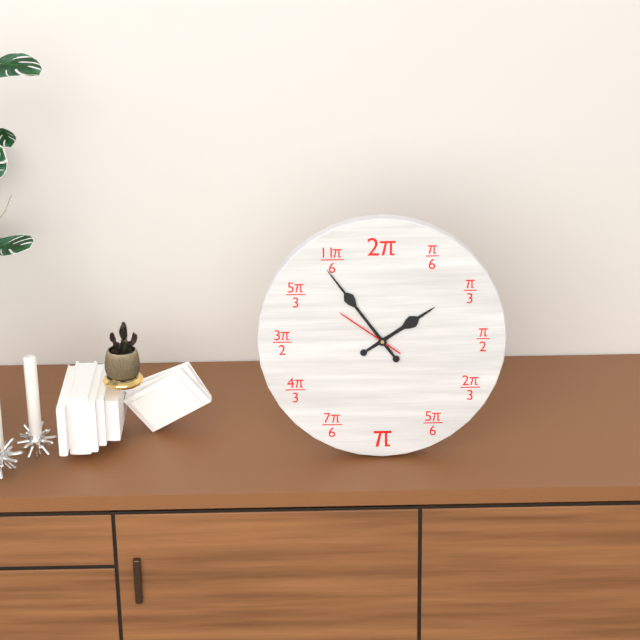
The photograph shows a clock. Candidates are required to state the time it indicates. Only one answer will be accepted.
1:54:51
